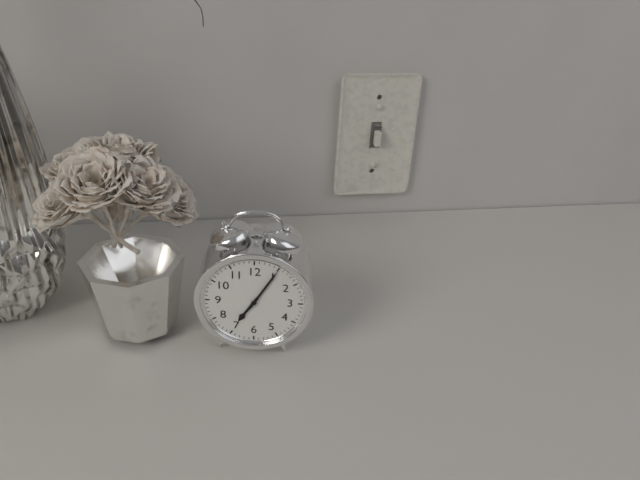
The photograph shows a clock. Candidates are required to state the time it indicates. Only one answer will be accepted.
7:05
